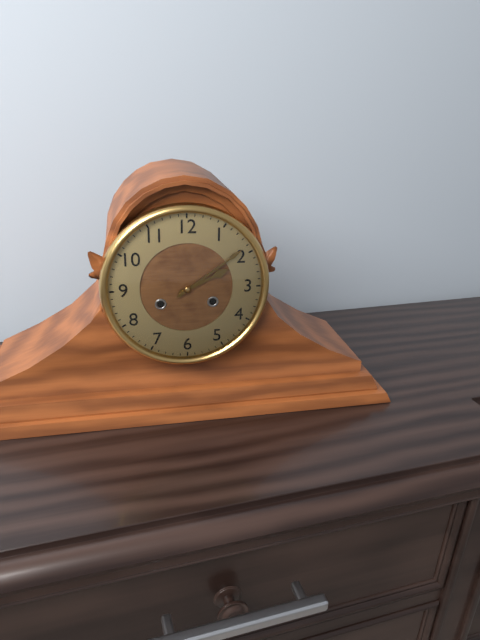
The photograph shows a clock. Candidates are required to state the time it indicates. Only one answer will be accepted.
2:09
